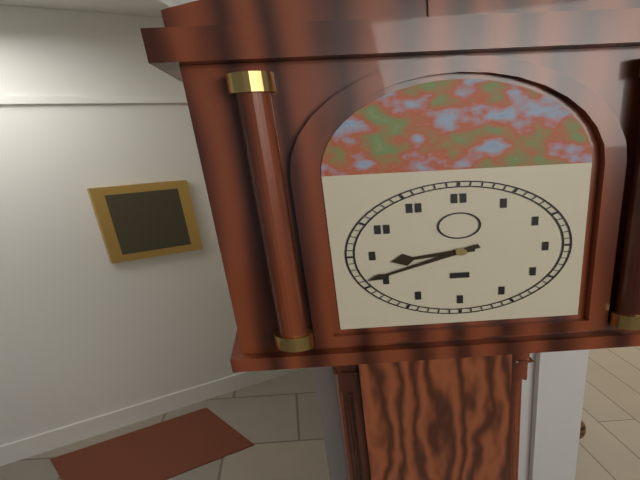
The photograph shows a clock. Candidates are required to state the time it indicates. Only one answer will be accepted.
8:41
